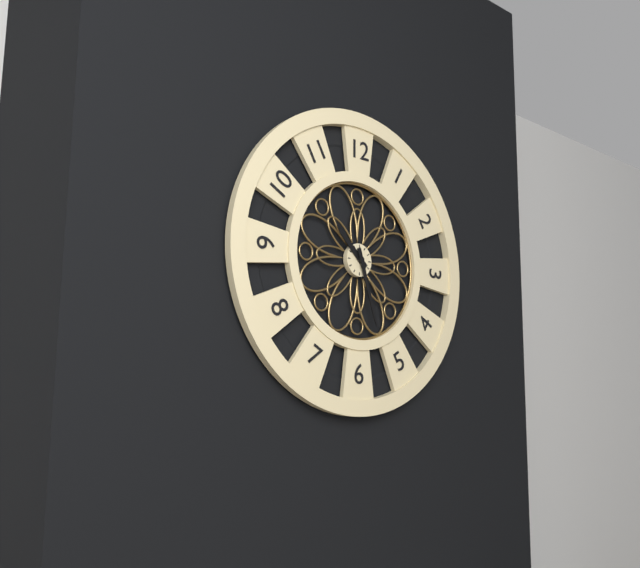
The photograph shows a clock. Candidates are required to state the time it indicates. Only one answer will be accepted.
10:27
